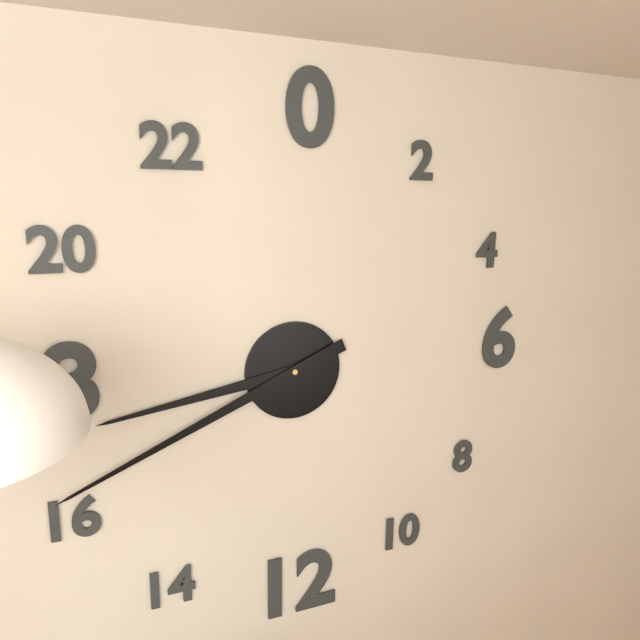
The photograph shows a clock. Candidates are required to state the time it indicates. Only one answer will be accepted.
8:41
